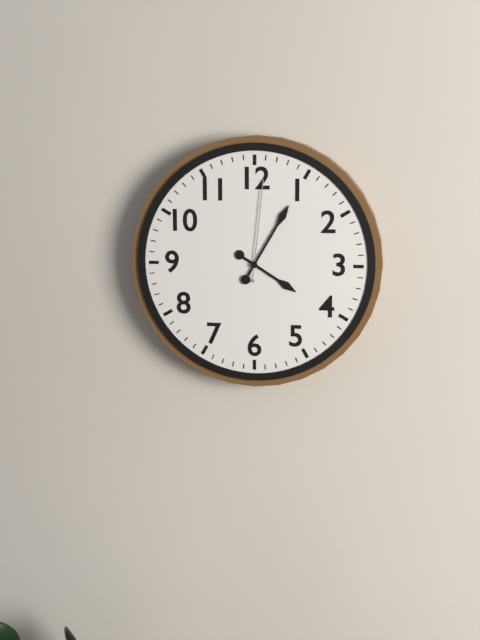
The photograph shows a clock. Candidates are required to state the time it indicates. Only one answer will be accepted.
4:05:01
